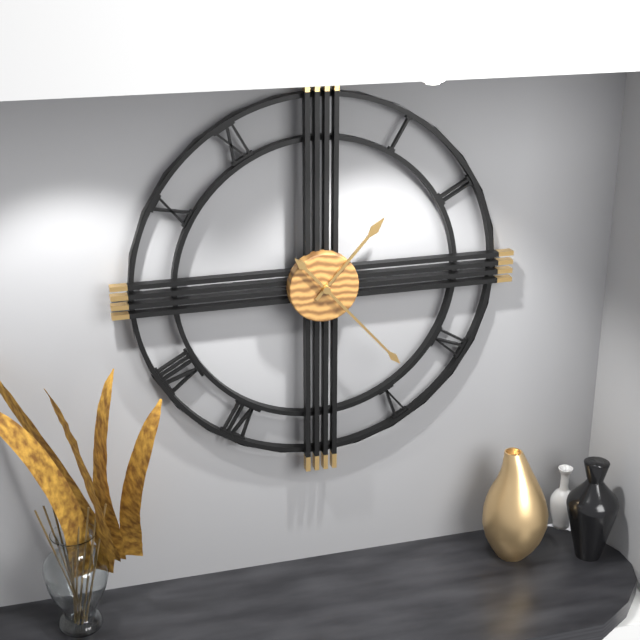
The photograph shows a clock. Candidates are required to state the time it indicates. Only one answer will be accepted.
1:23
